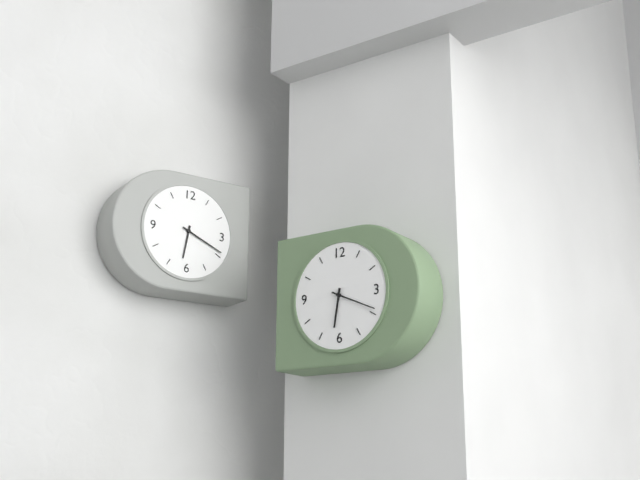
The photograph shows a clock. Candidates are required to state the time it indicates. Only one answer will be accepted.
6:19
